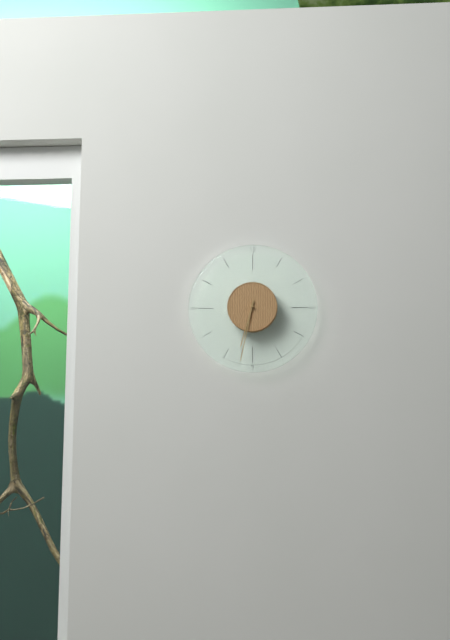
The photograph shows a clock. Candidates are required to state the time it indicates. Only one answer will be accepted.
6:32
